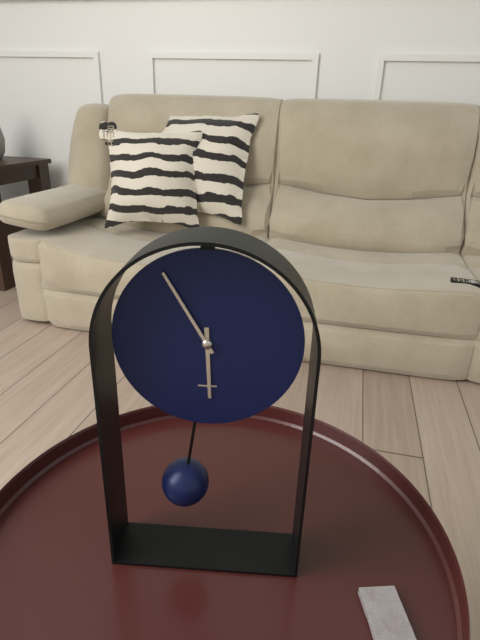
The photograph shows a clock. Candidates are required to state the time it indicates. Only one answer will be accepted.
5:55
